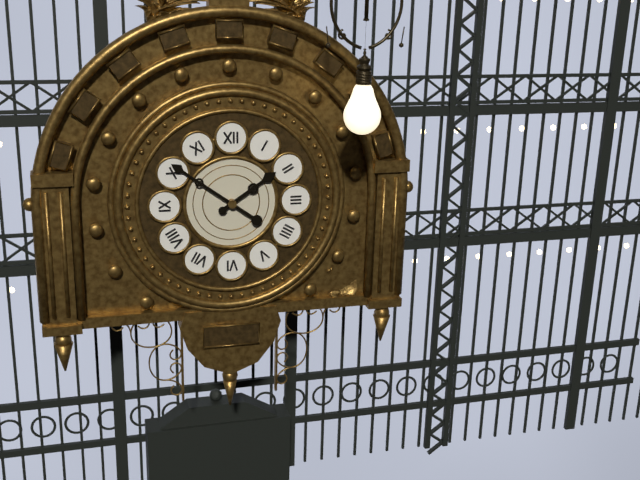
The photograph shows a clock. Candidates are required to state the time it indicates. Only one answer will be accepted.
1:51
